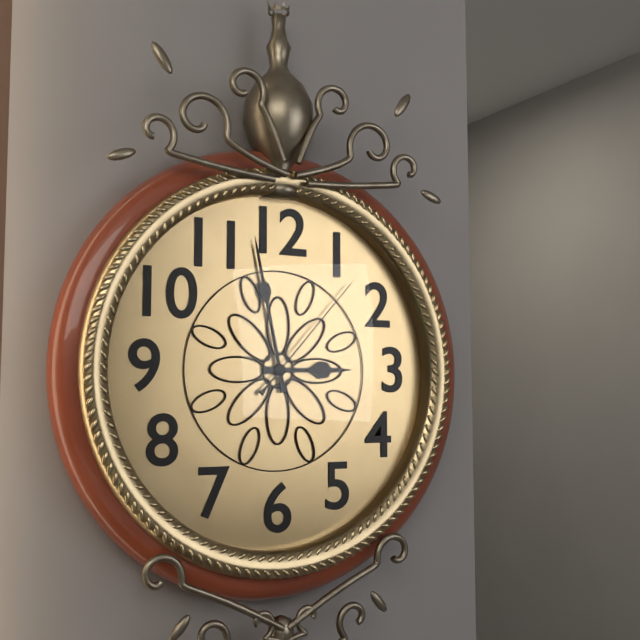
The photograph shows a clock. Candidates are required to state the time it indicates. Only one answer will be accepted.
2:58:07
